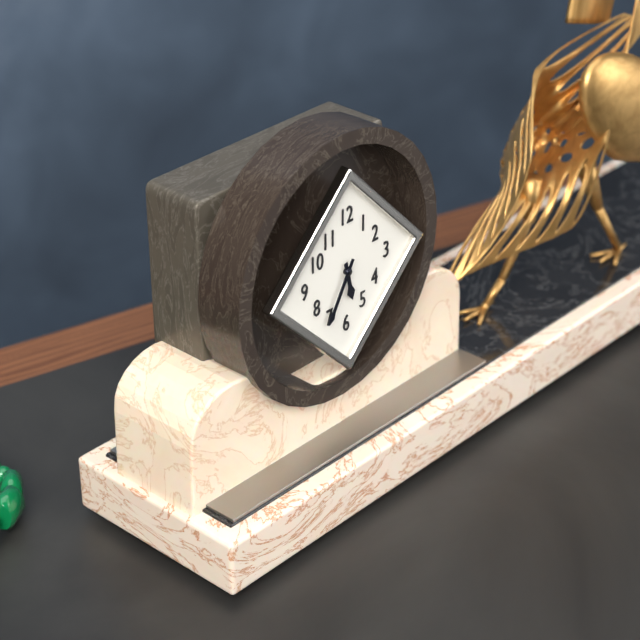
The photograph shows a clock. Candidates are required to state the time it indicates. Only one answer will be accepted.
5:35
